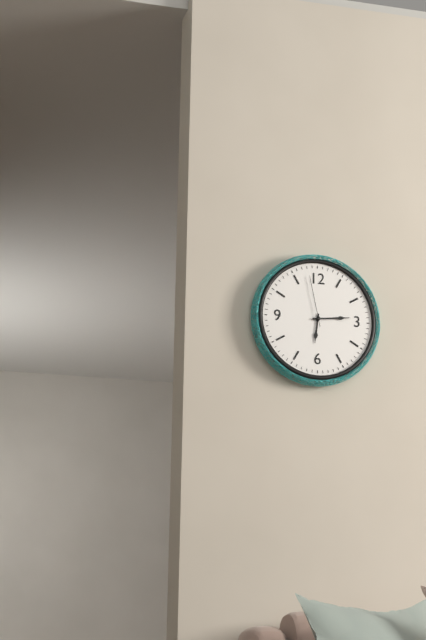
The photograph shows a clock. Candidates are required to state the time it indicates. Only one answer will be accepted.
6:14:58
